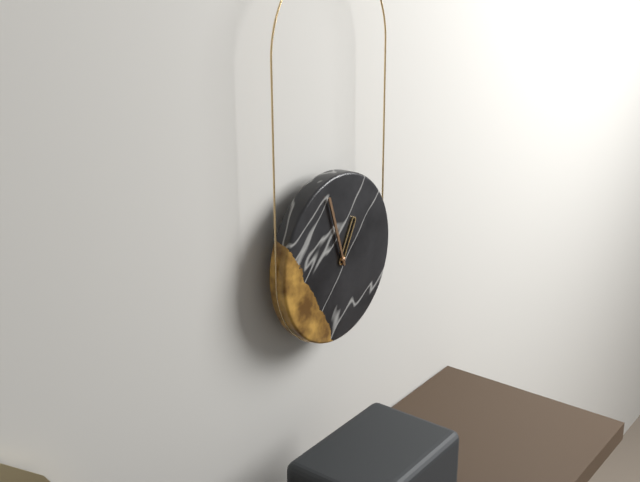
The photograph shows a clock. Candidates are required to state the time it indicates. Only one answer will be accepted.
12:57
